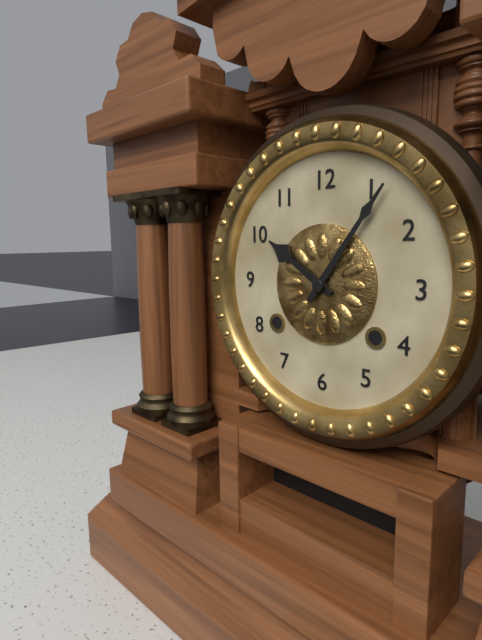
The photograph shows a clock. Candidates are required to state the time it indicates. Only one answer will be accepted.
10:06
